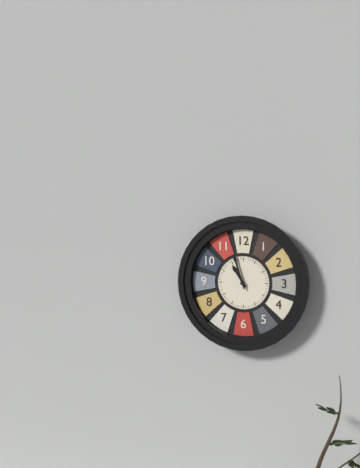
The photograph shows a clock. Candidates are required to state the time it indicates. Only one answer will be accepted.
10:57
